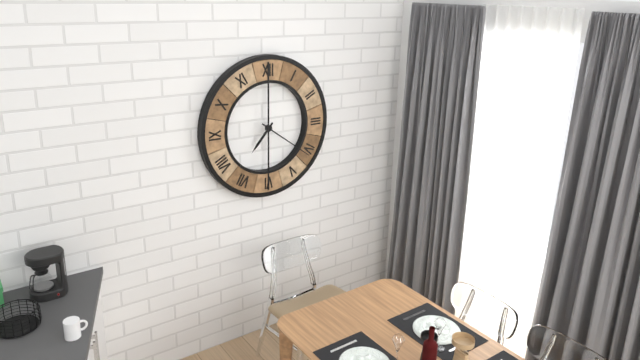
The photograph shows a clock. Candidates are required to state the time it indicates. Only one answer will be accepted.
7:21
